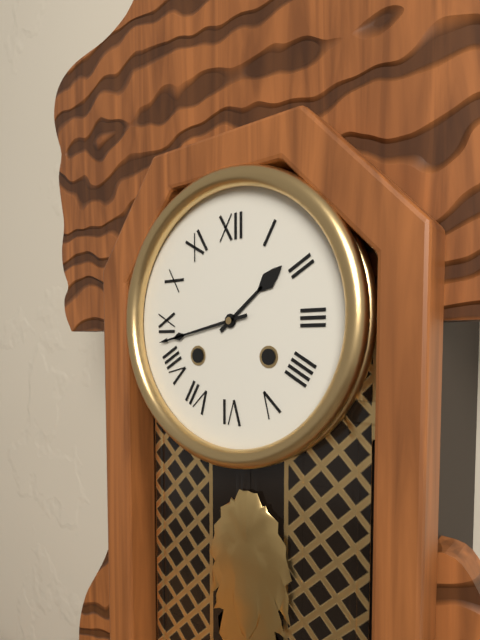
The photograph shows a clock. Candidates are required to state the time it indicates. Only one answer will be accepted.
1:43
